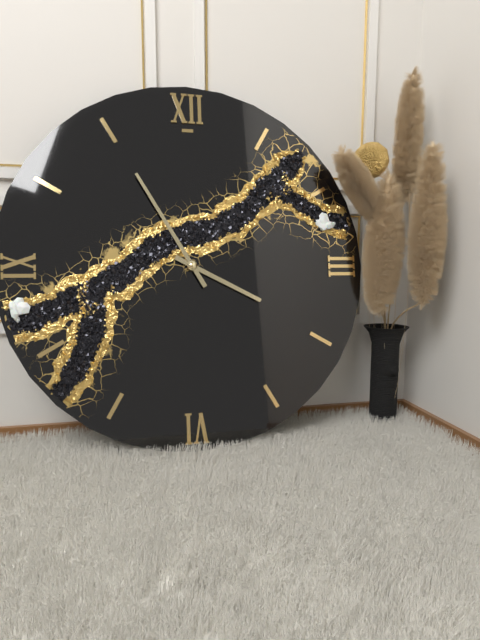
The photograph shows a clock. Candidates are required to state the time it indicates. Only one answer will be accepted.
3:55
